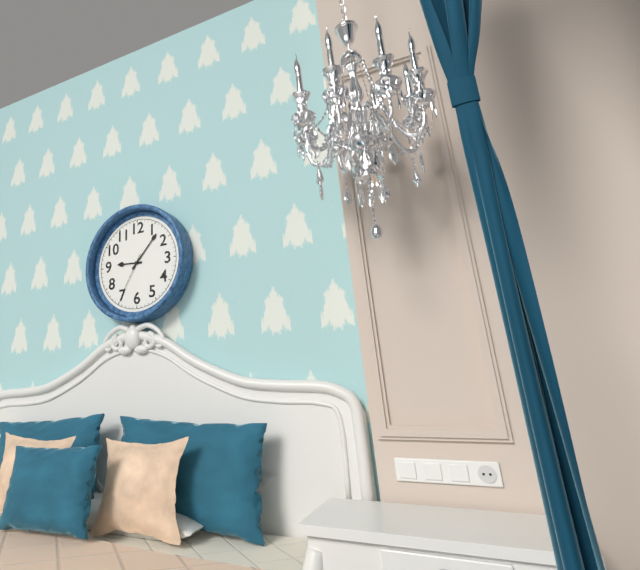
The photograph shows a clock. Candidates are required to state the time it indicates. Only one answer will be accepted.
9:07
